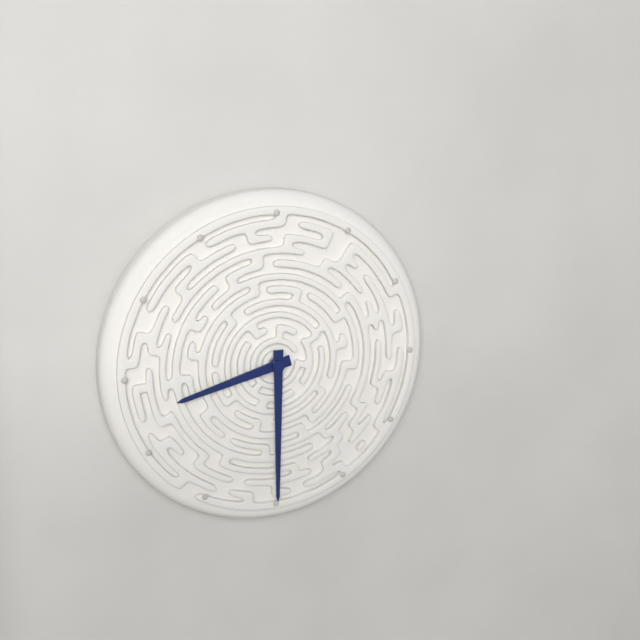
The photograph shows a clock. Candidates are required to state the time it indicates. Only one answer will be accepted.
8:30
